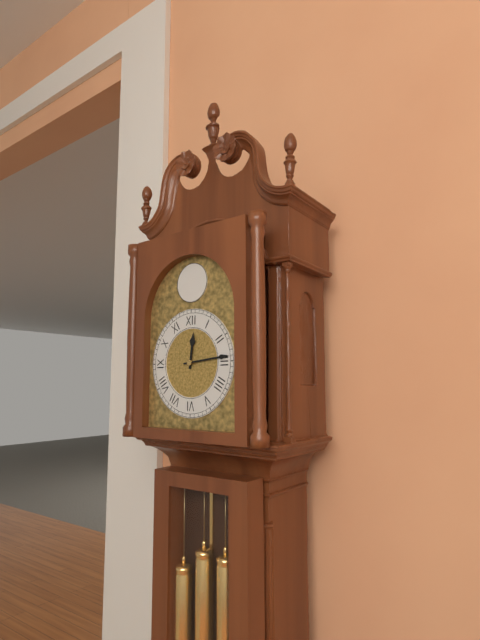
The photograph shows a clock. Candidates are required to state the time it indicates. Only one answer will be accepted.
12:14
